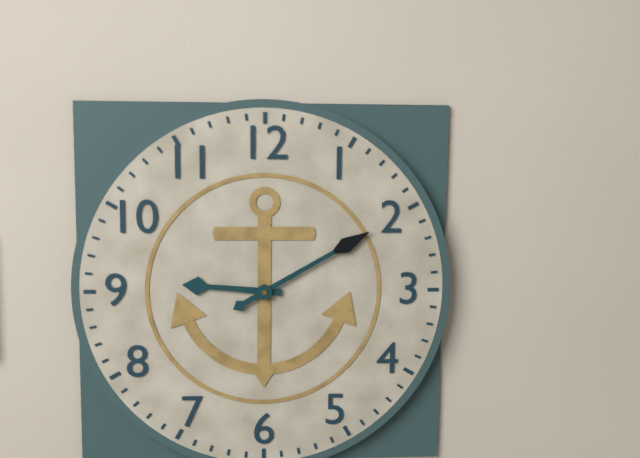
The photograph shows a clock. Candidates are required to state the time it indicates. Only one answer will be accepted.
9:10
